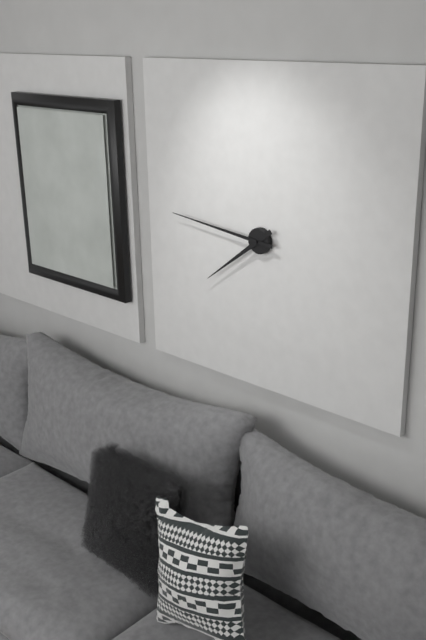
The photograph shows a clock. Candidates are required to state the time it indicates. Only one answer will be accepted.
7:46
